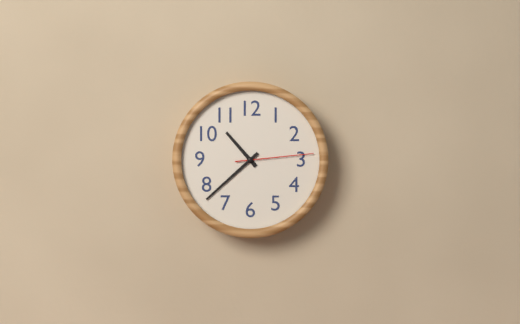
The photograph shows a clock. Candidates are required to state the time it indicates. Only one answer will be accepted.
10:38:14
